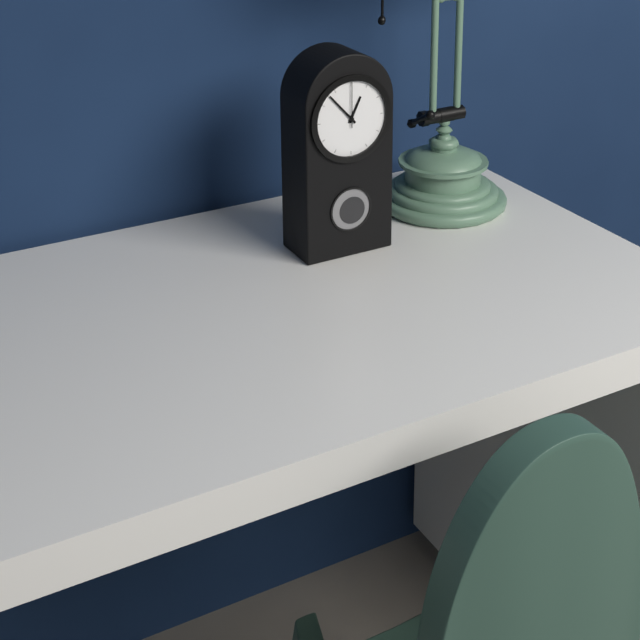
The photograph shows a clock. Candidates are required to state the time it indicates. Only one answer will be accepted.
12:53
